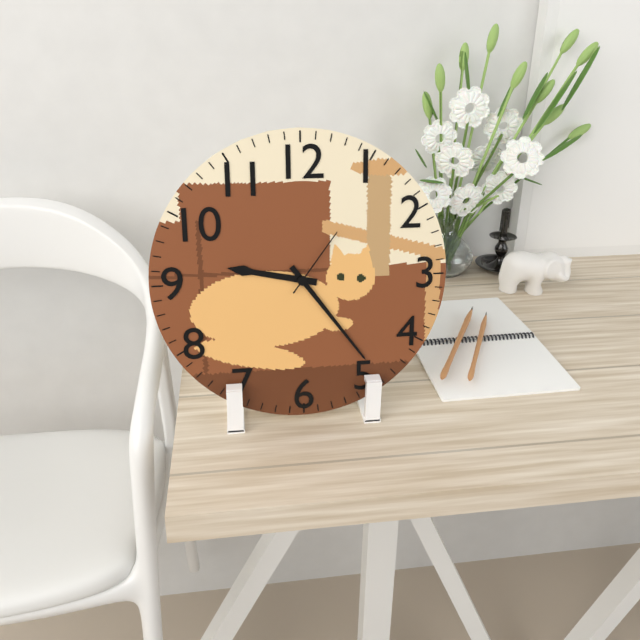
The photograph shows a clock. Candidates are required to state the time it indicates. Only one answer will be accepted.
9:24:06
